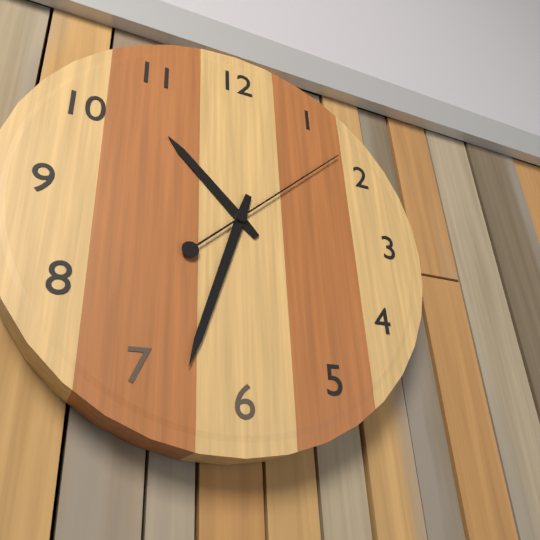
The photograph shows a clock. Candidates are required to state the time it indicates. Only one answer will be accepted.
10:33:08
